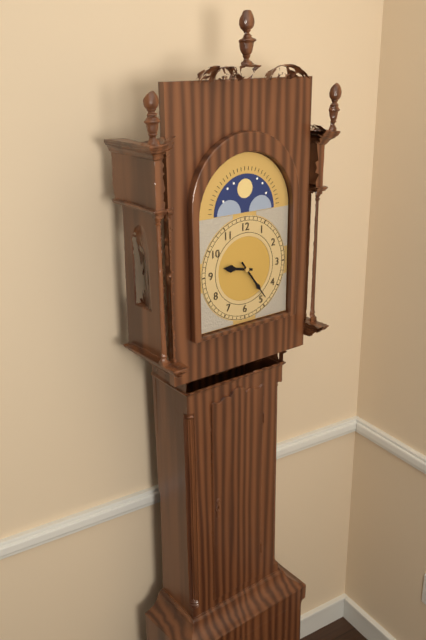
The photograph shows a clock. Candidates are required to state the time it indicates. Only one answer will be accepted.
9:24
